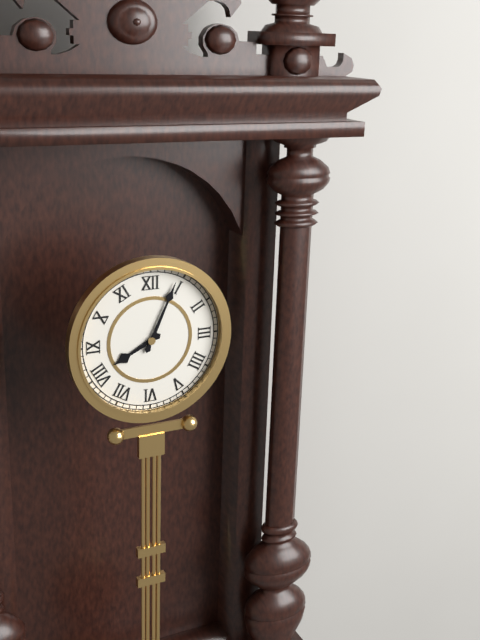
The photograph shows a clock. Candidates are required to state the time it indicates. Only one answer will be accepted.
8:04
